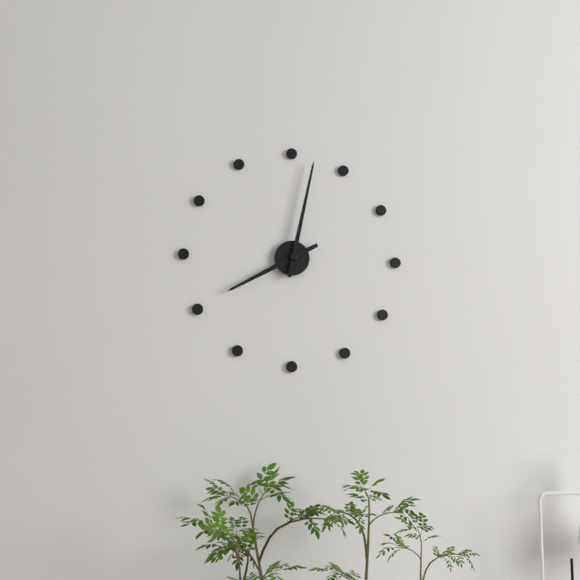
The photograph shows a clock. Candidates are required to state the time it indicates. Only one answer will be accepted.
8:02
